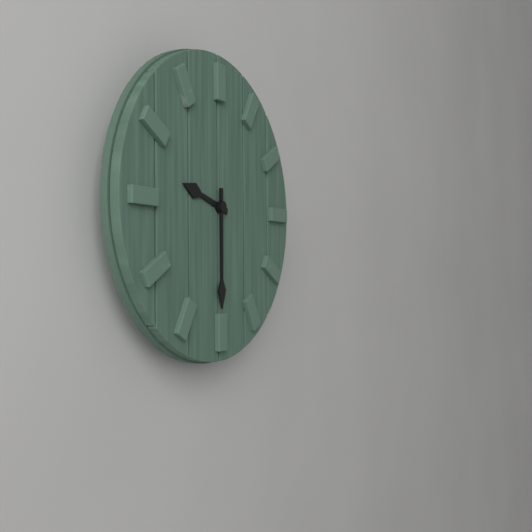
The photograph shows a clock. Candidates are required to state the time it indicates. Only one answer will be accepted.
9:30
